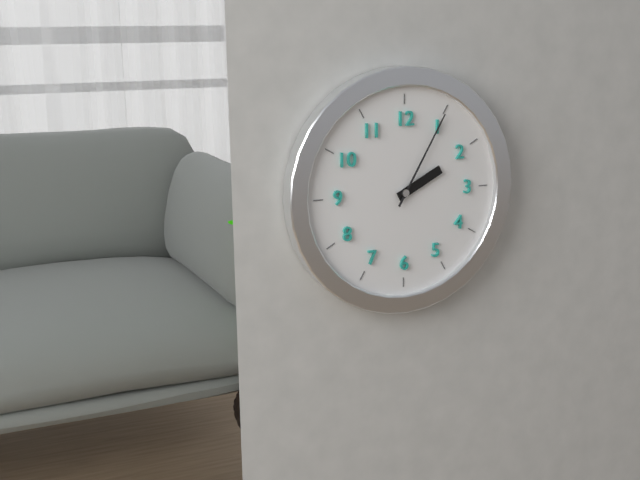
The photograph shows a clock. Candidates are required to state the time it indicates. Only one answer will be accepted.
2:05
